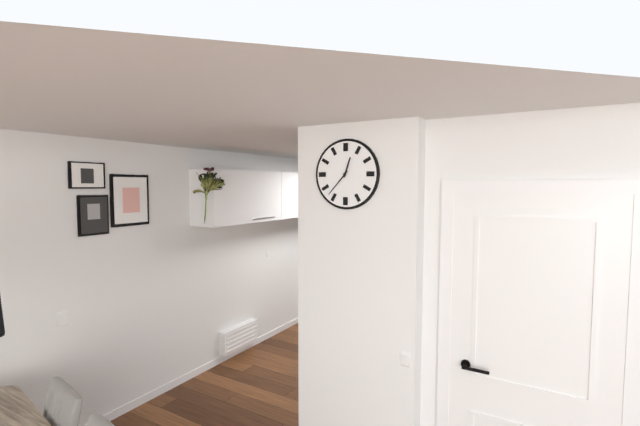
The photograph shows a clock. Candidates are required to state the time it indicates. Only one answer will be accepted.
12:37
